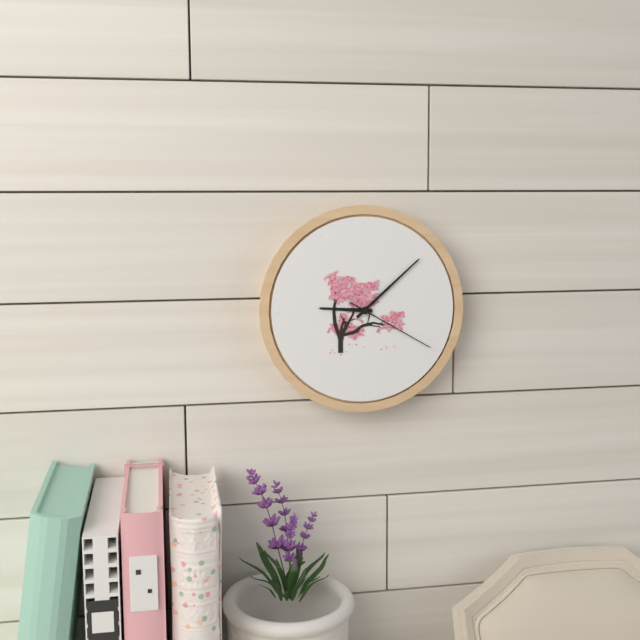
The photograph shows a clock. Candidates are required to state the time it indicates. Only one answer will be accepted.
9:08:20
